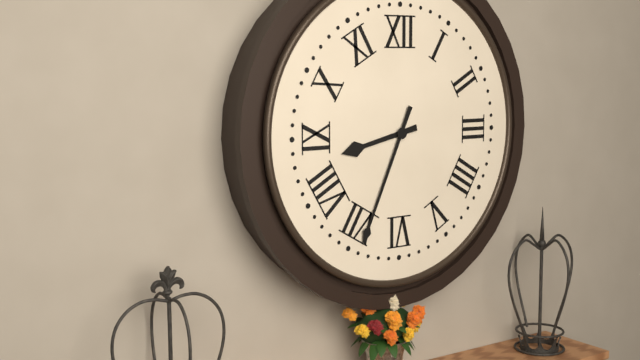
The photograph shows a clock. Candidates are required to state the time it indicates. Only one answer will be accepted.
8:34
